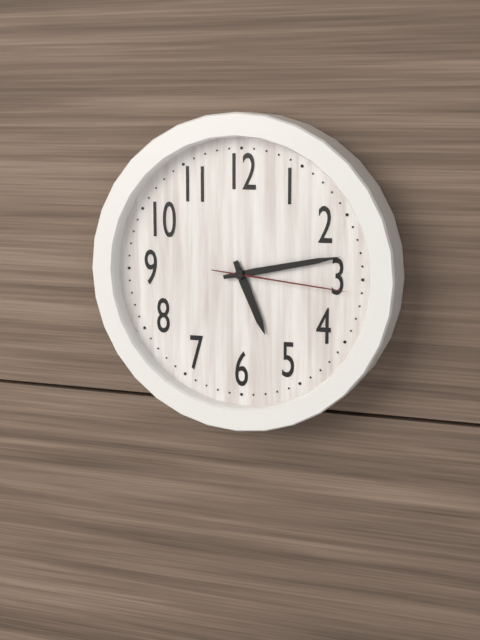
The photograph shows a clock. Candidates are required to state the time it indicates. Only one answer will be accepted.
5:13:16
